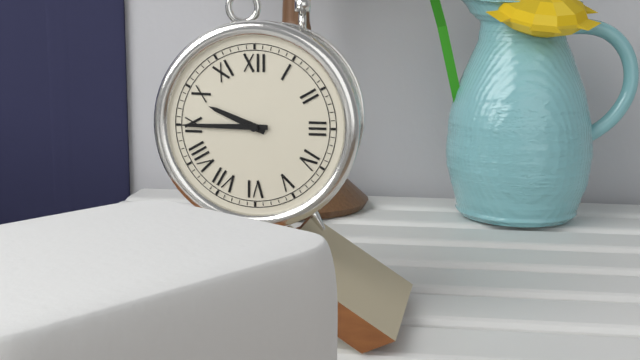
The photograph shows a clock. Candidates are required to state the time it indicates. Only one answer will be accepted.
9:45
